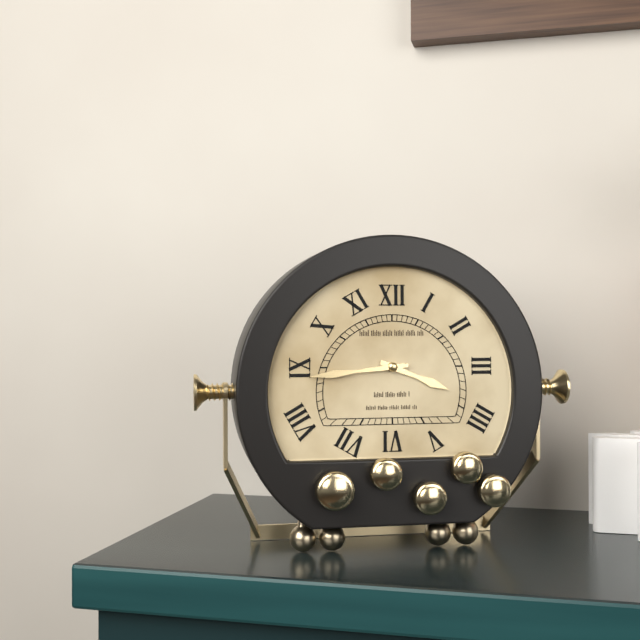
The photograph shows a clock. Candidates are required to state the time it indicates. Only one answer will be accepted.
3:44
